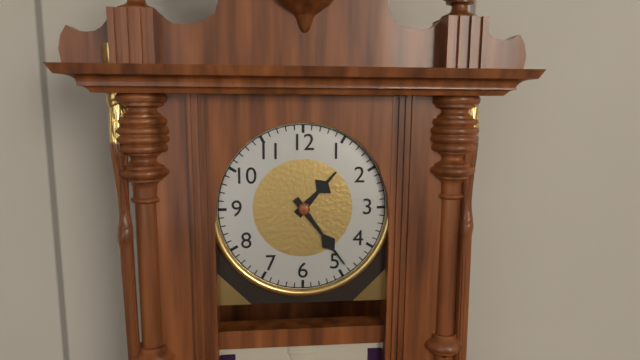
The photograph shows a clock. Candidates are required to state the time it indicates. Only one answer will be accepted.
1:24
